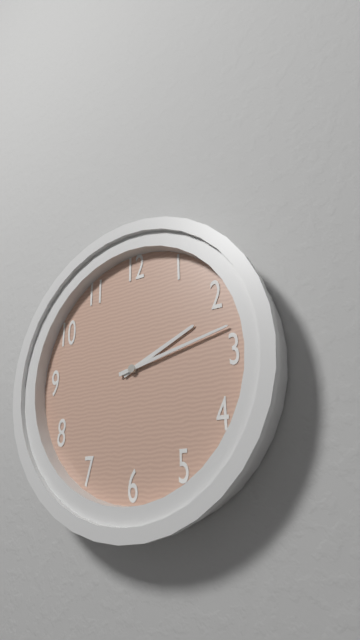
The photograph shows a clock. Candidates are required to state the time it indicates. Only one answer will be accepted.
2:13
